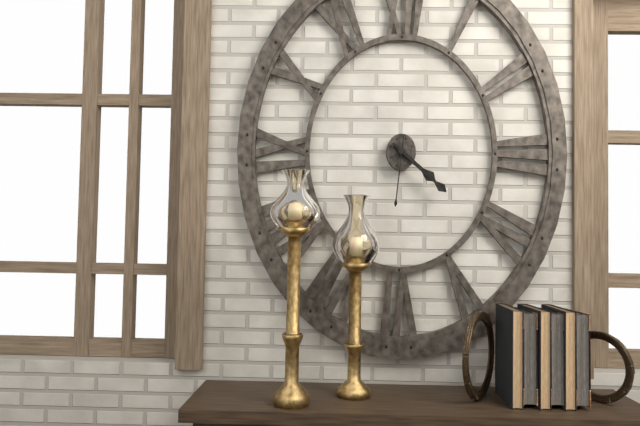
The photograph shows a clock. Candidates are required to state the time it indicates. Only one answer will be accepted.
4:22:31
